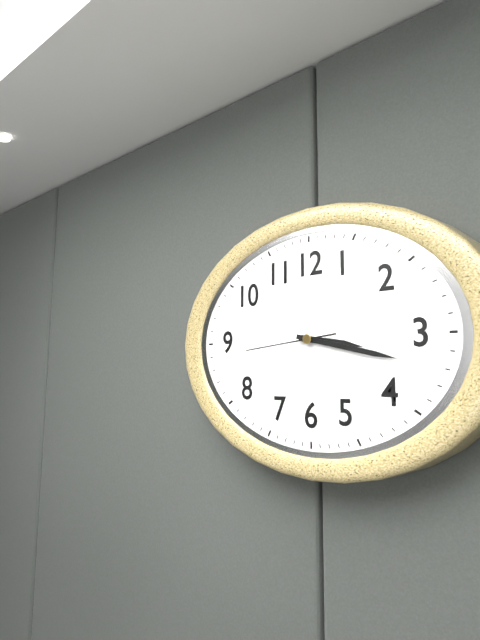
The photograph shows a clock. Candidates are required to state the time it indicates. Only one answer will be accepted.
3:17:44
